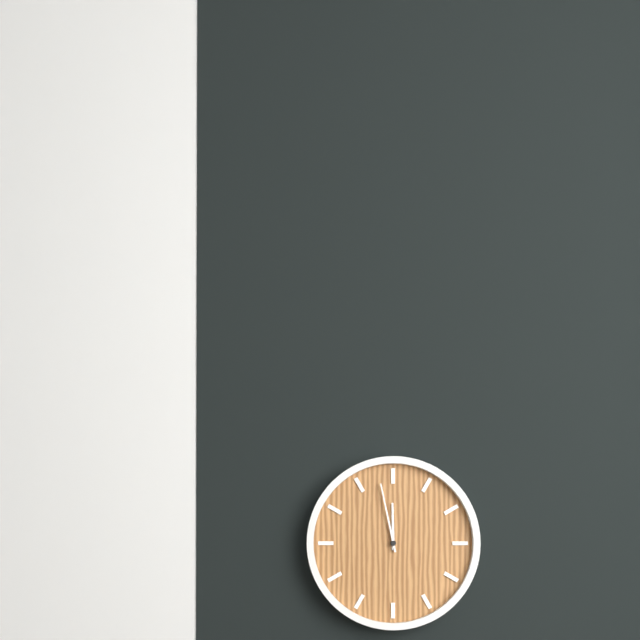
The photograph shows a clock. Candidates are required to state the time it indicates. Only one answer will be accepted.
11:58
